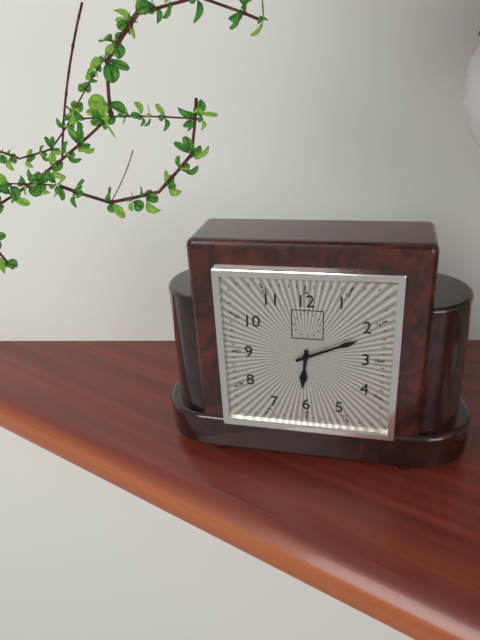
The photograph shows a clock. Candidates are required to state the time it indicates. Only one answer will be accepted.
6:11
